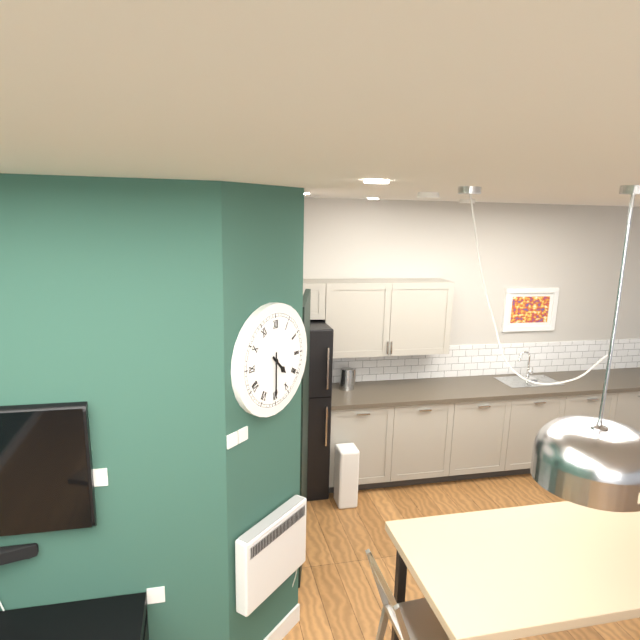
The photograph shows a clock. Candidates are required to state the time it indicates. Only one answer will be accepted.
4:30
